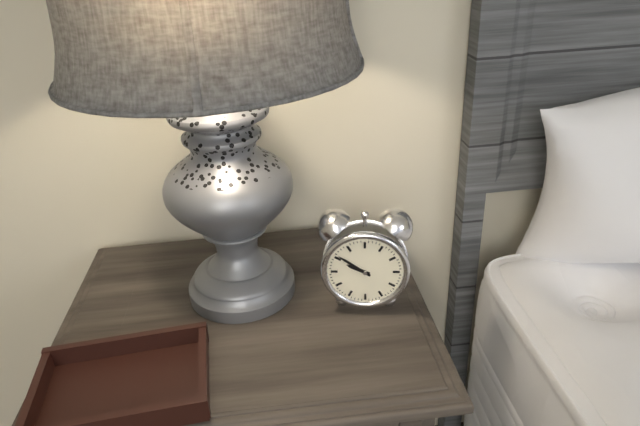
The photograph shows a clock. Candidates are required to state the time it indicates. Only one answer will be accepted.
9:51
